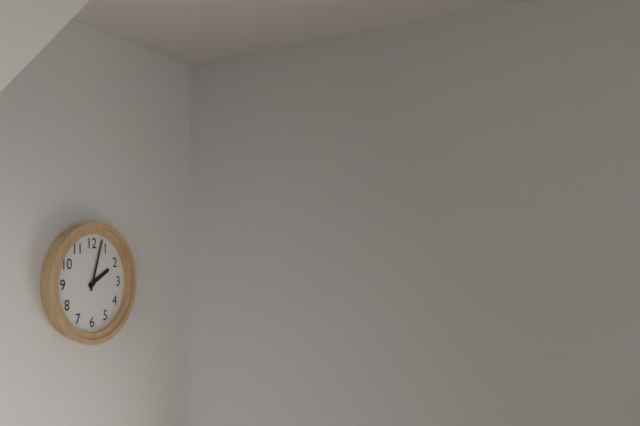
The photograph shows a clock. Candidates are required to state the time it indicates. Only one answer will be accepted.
2:03
